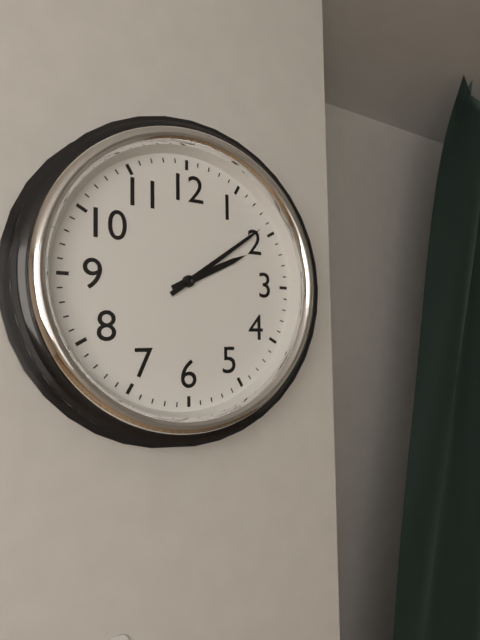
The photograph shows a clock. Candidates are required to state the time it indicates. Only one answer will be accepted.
2:09
